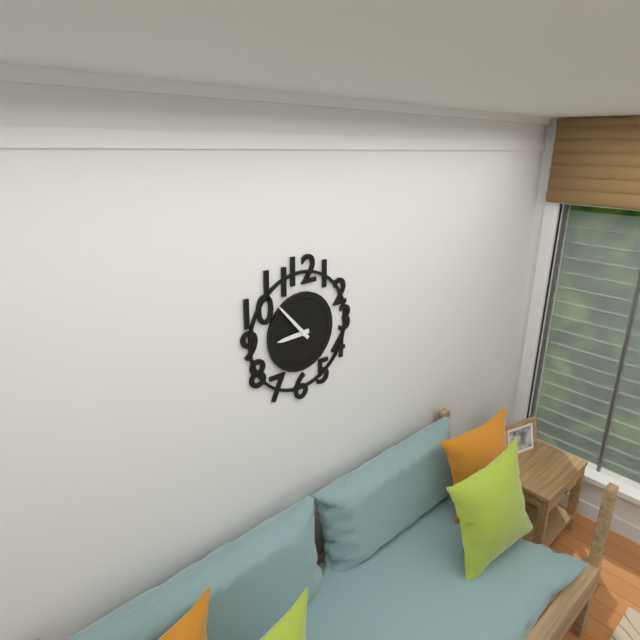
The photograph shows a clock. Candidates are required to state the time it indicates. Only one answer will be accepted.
8:53
